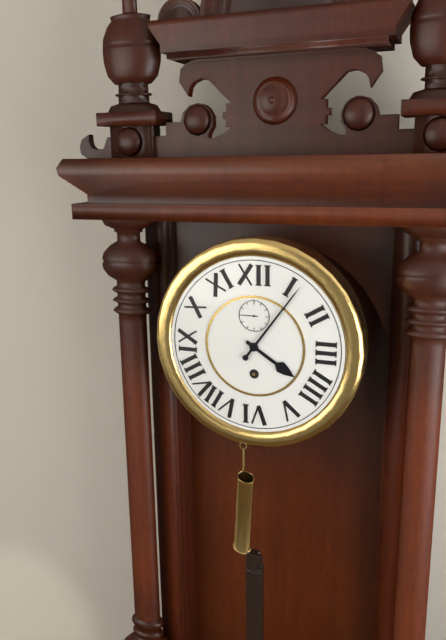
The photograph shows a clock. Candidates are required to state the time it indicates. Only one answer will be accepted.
4:06
